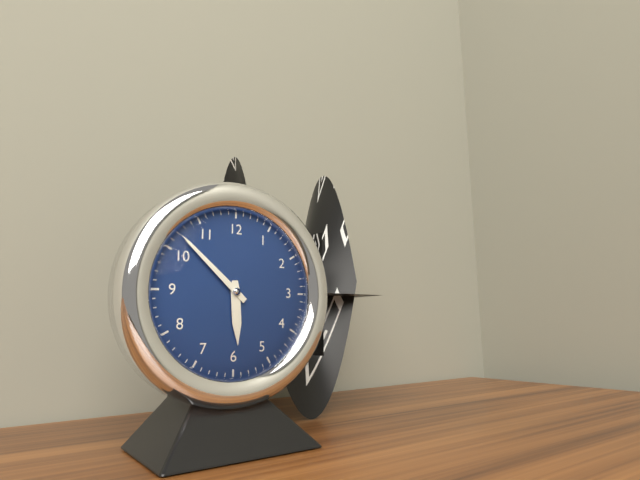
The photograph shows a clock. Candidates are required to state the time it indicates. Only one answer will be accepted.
5:52
